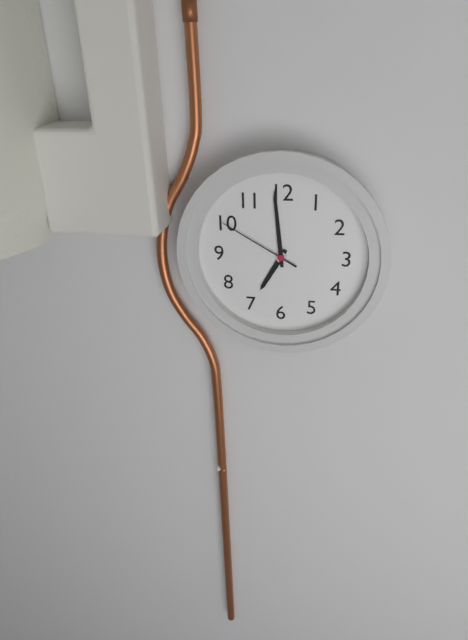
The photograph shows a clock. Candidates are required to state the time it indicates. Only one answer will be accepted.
6:59:50
